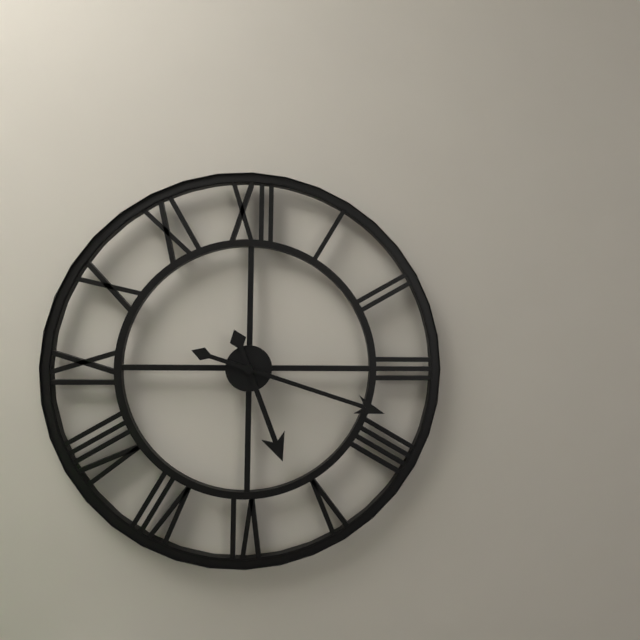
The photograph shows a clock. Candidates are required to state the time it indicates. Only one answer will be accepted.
5:18
